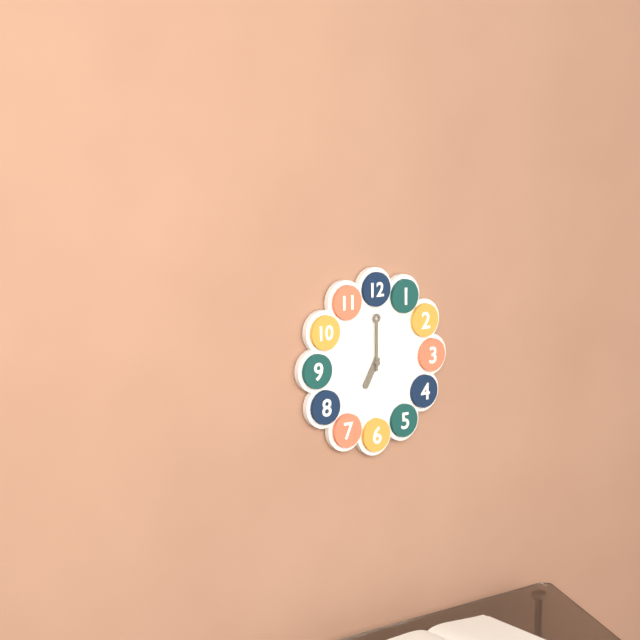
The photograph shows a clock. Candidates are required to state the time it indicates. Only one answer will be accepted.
7:00
